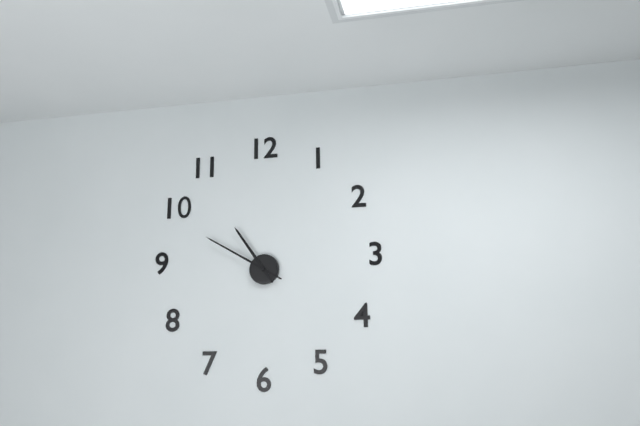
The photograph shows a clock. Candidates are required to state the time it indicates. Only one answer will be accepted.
10:50
